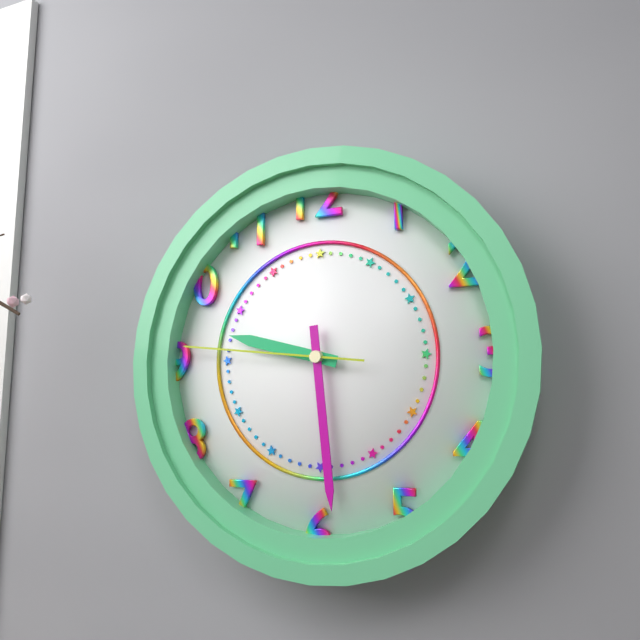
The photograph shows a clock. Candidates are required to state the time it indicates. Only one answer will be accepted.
9:29:46
